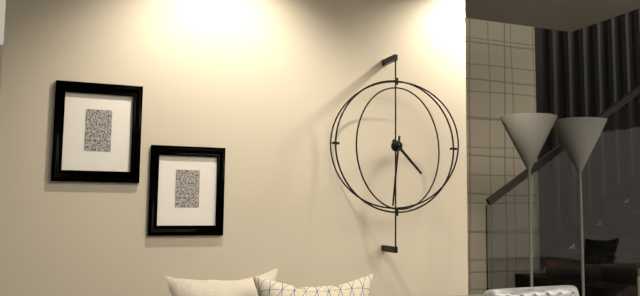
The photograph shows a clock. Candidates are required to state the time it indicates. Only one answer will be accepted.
4:31
